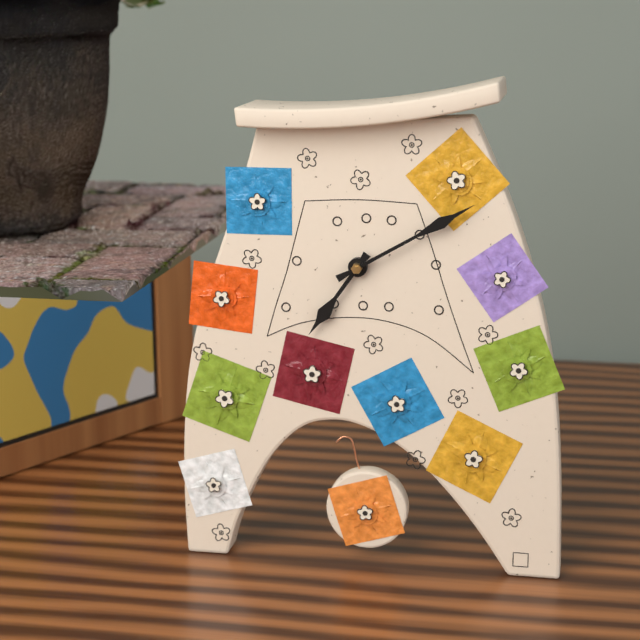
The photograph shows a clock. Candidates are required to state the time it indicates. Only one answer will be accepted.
7:10
